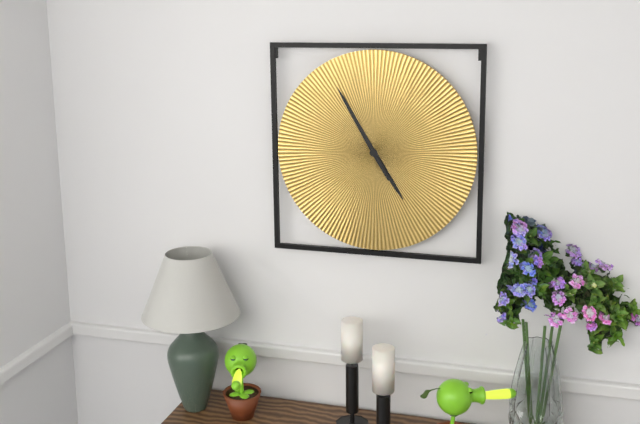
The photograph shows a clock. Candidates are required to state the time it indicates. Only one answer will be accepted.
4:55
